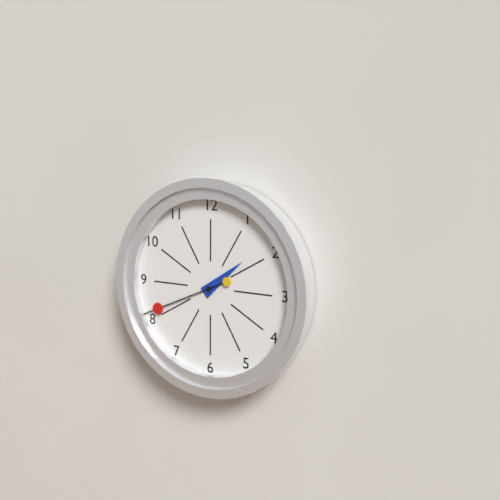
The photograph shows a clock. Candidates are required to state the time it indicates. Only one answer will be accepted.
1:41
